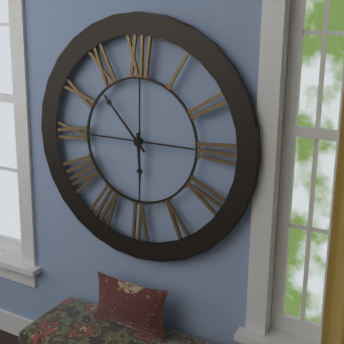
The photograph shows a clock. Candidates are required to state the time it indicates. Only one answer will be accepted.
5:53
